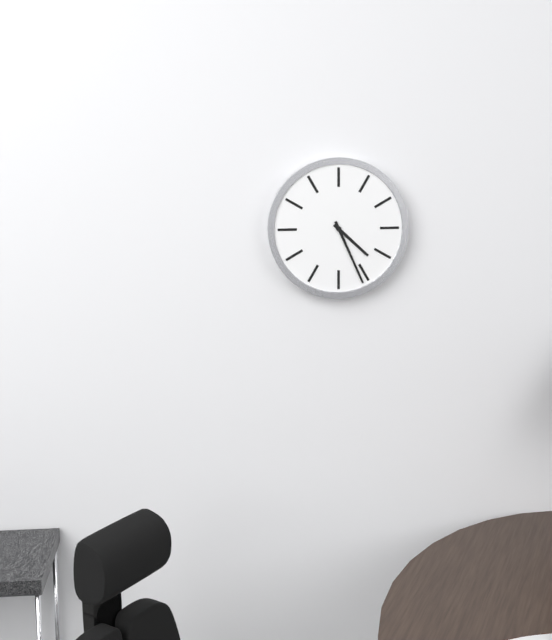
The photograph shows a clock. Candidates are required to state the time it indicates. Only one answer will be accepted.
4:26
